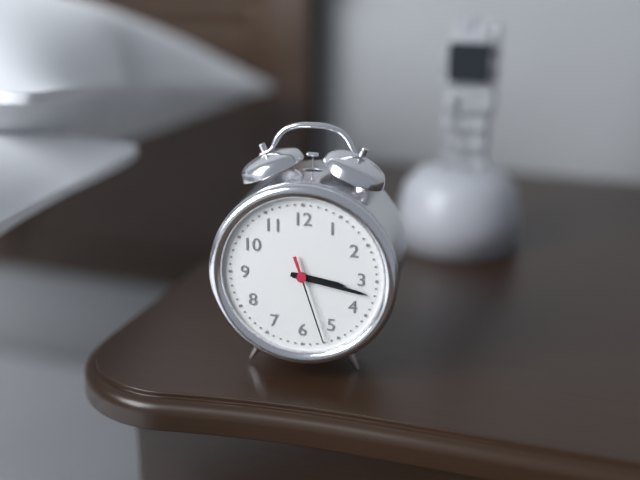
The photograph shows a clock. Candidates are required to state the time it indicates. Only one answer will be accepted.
3:17:27
